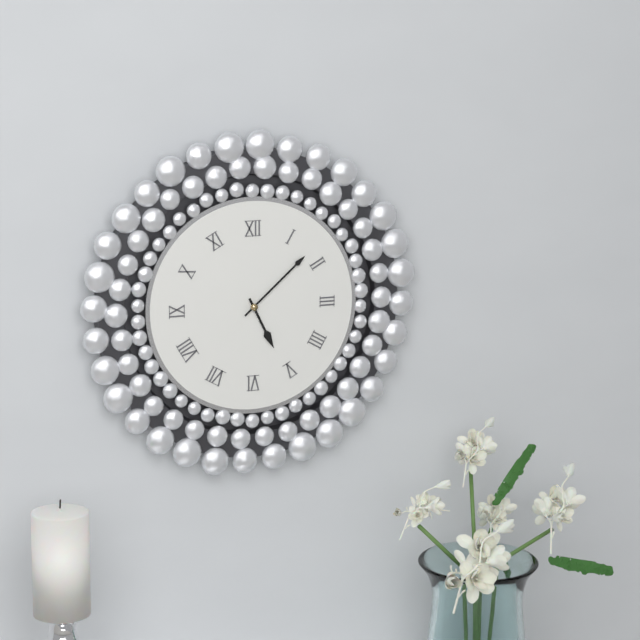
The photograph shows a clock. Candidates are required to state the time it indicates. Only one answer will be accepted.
5:08
